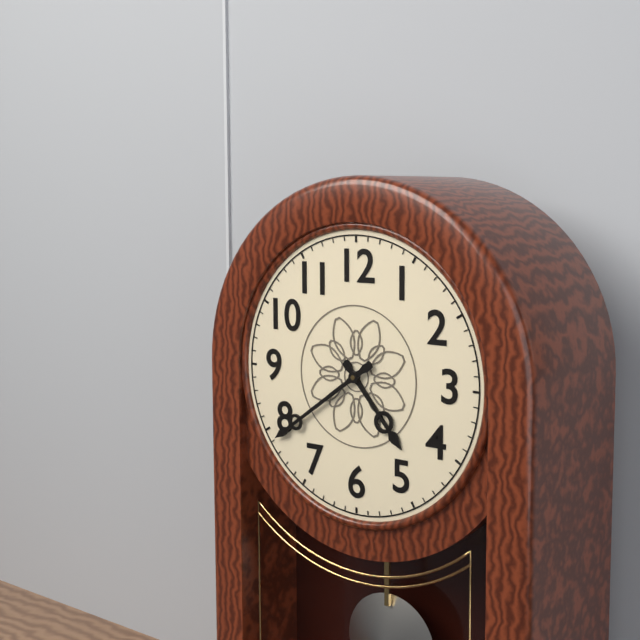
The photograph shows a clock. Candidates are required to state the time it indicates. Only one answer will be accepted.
4:39
